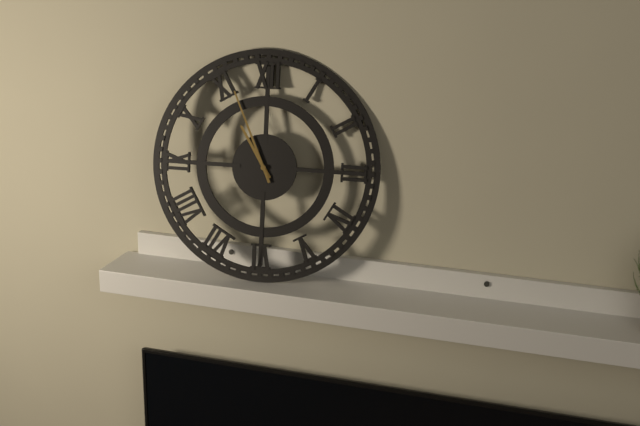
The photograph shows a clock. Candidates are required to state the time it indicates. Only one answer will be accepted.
10:56
